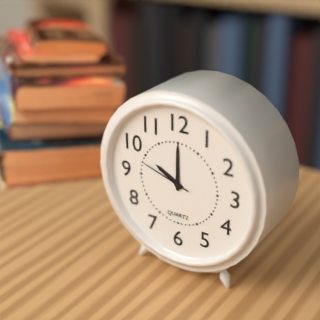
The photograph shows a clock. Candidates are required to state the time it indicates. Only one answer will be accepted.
10:00:48
